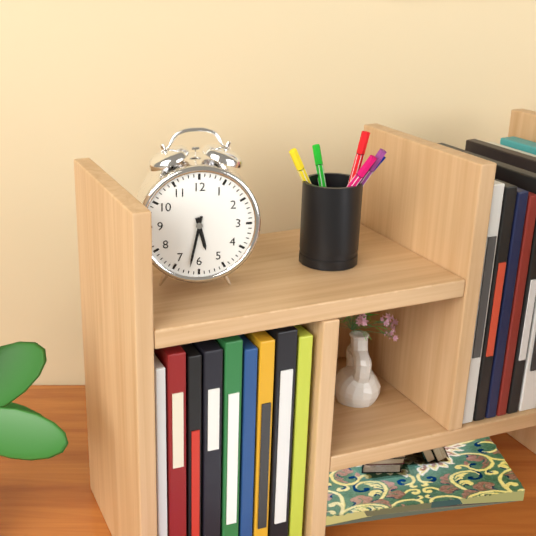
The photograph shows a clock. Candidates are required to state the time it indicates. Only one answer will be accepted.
5:32
